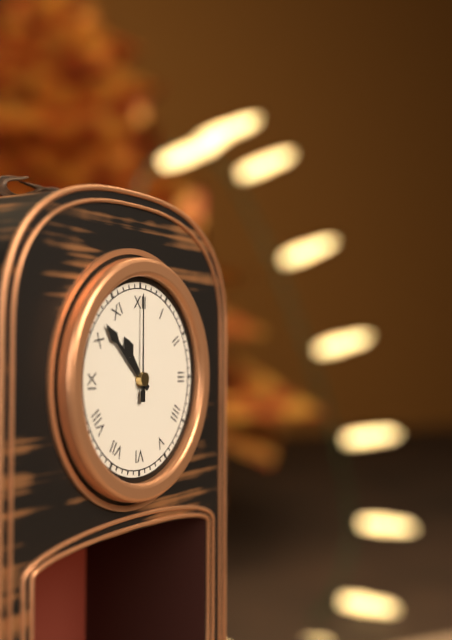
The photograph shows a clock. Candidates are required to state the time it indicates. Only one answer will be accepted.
10:52:00
